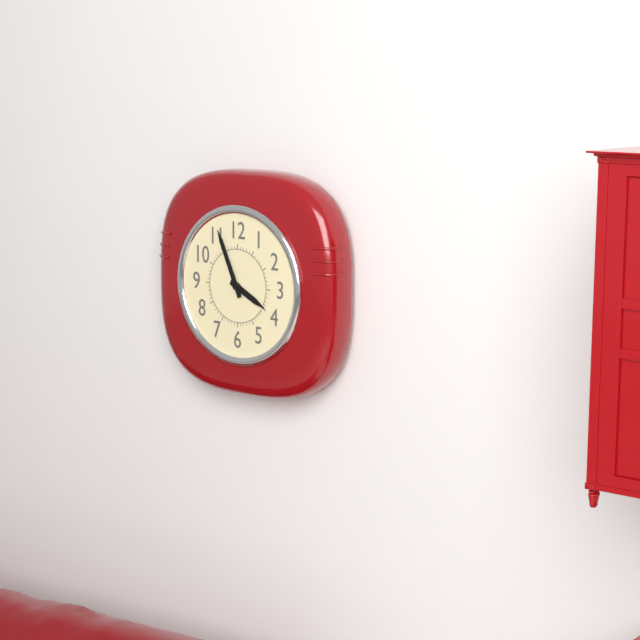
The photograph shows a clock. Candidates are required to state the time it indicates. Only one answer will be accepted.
3:56
